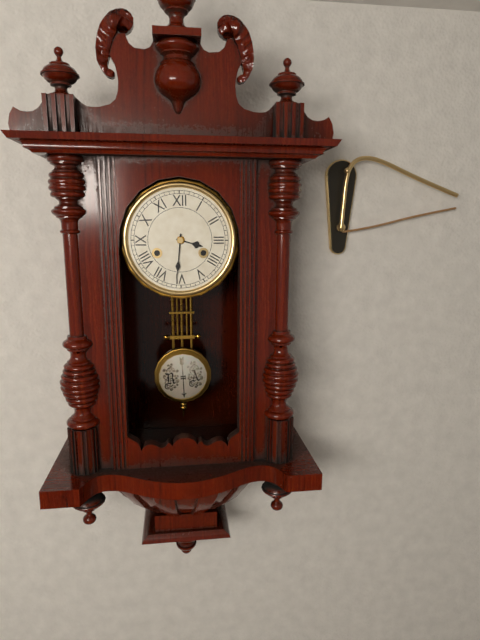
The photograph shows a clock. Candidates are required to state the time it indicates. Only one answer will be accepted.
3:31
